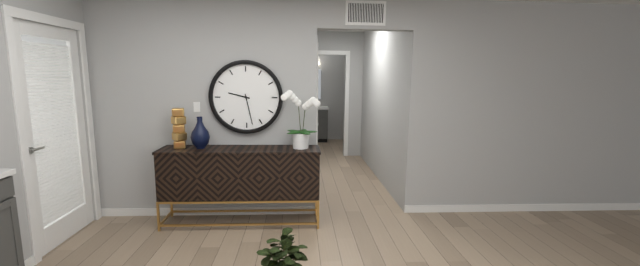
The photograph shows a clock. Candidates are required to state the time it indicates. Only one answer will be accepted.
9:28
